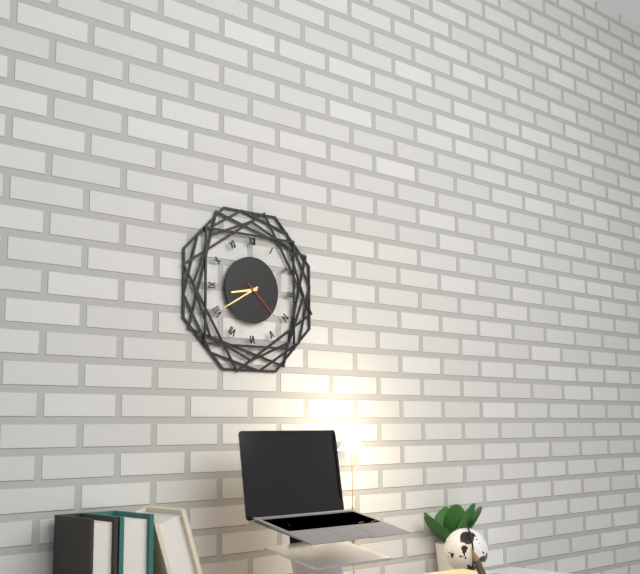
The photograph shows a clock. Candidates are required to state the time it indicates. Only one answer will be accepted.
8:40
